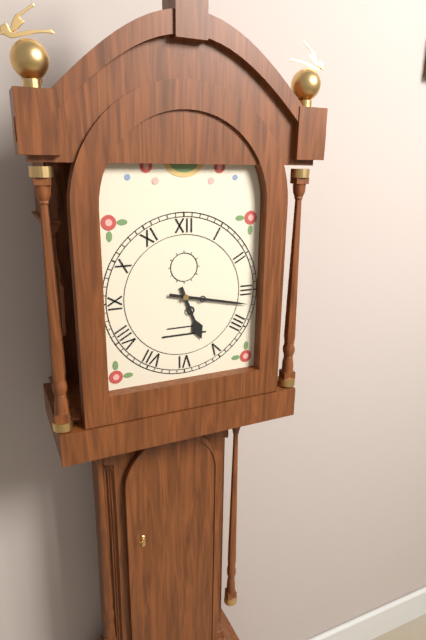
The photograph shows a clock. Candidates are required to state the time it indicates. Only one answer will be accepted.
5:17
